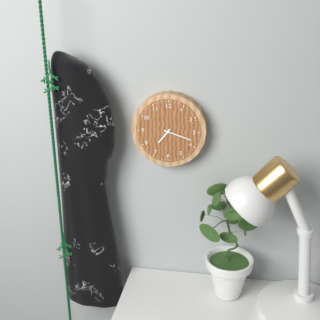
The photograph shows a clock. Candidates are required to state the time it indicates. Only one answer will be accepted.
7:18
